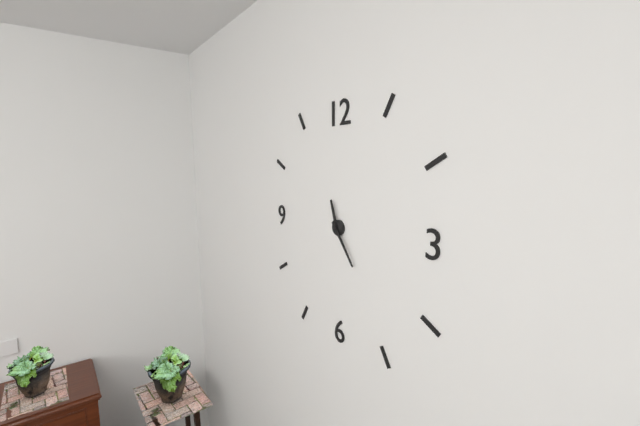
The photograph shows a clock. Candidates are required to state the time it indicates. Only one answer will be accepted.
11:24
